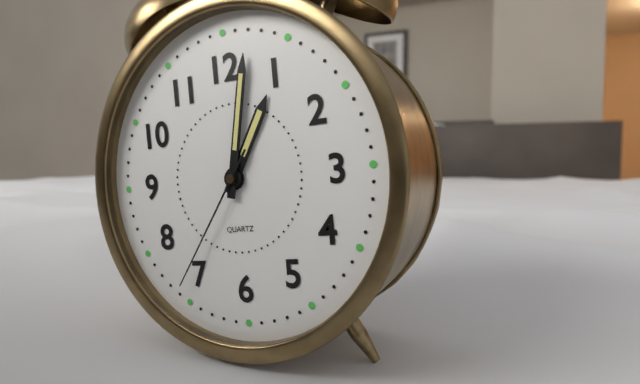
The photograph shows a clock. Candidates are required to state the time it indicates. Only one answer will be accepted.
1:02:36
